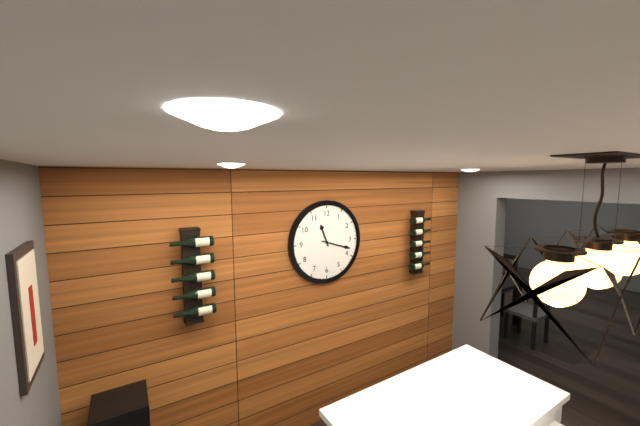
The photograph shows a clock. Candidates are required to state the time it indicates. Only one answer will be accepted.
11:18
